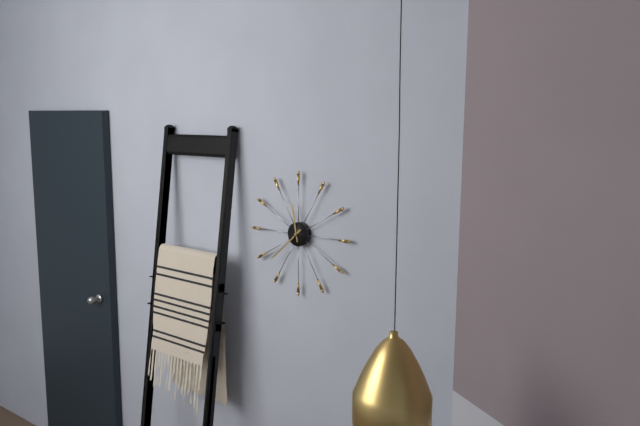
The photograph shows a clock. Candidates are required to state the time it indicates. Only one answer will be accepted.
11:38
